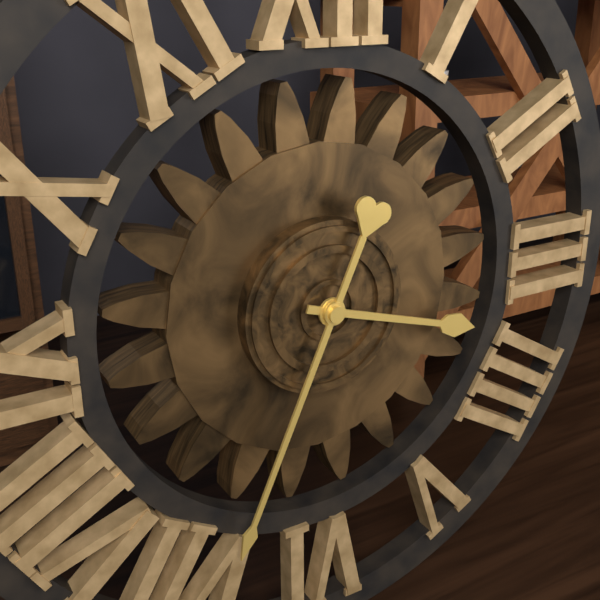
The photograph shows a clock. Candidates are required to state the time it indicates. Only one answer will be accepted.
3:34
